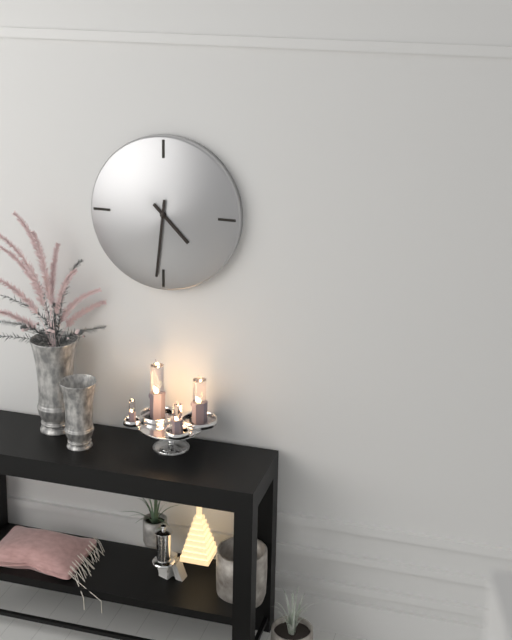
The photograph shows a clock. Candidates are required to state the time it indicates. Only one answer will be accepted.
4:31
